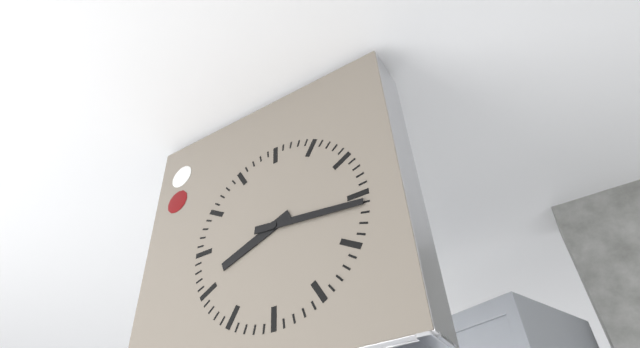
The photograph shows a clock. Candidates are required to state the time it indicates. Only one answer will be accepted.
8:16
